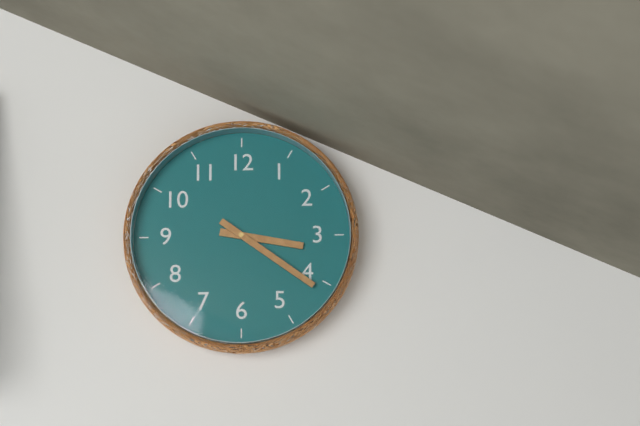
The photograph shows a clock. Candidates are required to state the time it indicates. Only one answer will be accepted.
3:21
